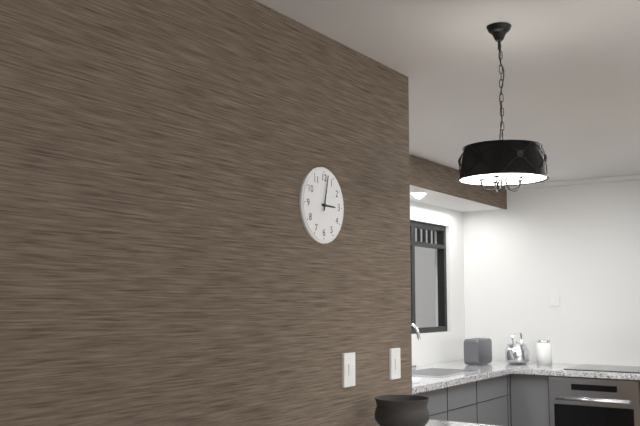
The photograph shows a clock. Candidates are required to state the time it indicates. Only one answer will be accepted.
3:02
